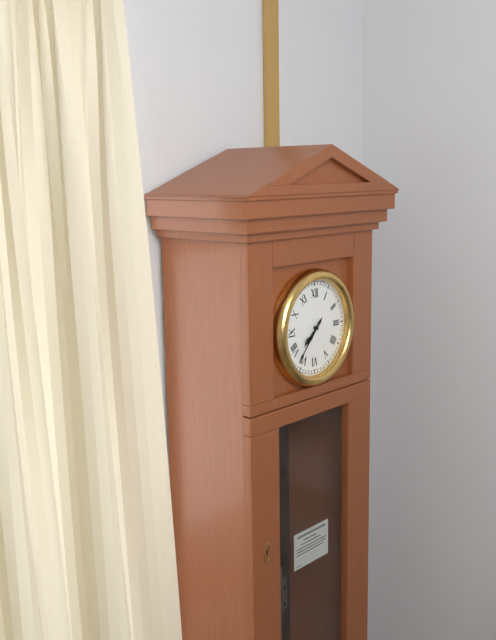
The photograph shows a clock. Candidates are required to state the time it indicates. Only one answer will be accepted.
7:37
